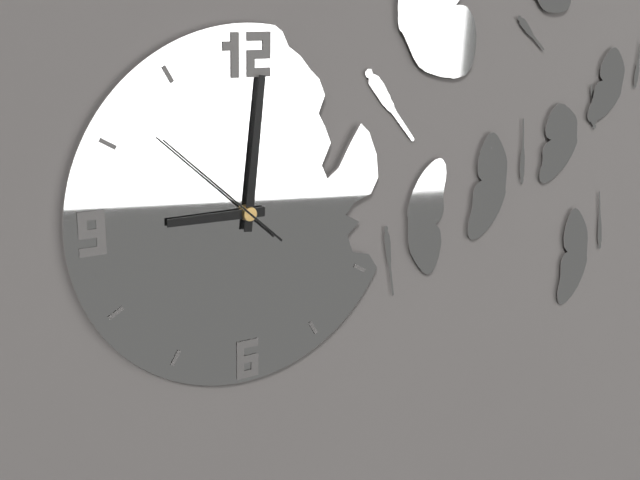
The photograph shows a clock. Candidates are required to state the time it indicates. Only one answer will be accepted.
9:01:52
